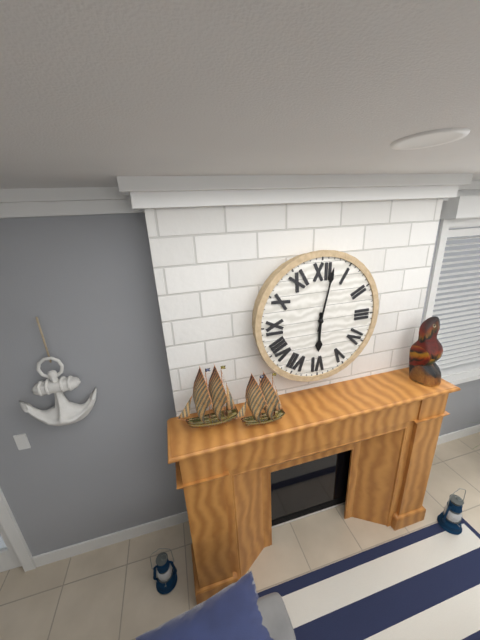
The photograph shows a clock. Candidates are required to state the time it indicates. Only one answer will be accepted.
6:02
